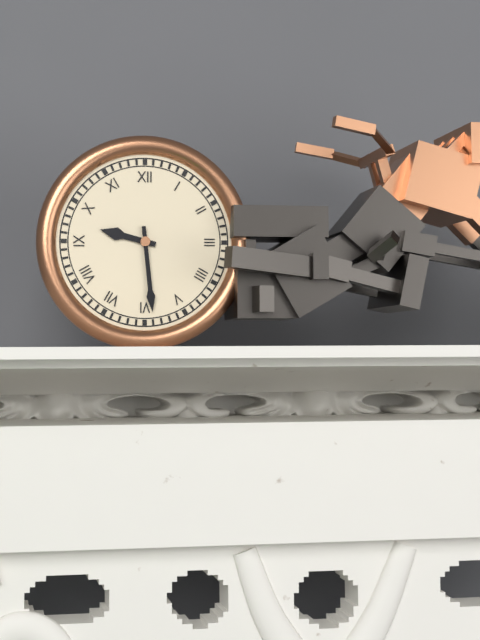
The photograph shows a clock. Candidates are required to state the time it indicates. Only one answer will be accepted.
9:29
